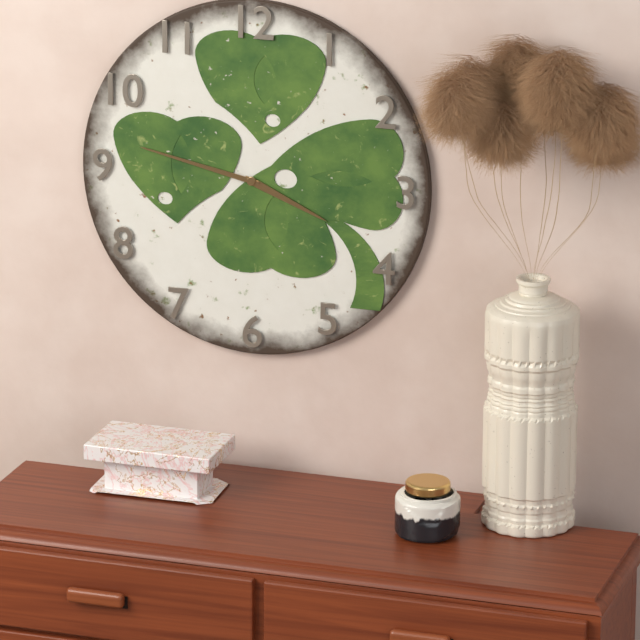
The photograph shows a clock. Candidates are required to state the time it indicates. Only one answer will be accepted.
3:47
